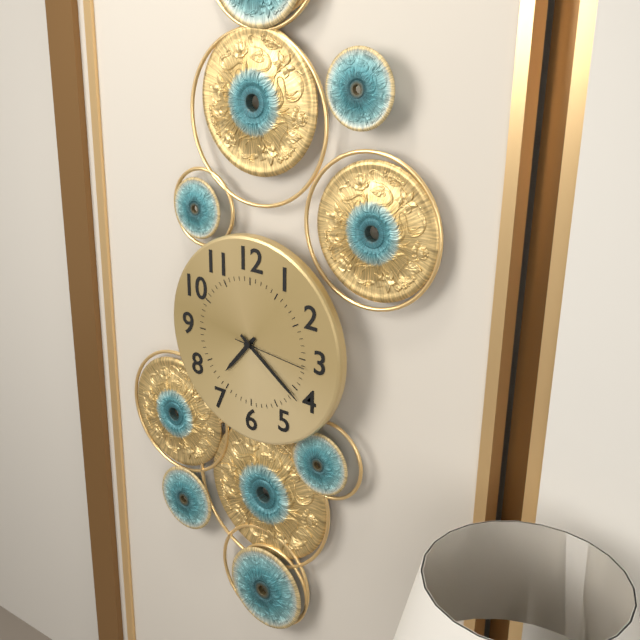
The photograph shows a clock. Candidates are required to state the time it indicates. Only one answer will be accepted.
7:21:16
